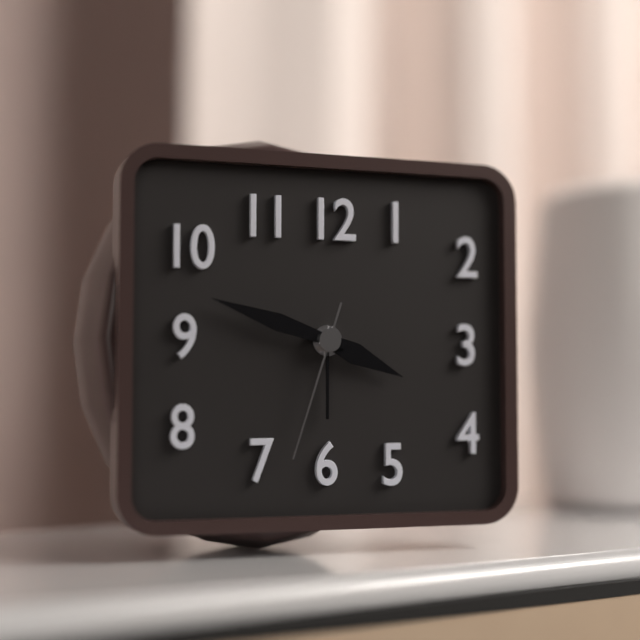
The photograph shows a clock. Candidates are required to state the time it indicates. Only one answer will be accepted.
3:48:33
